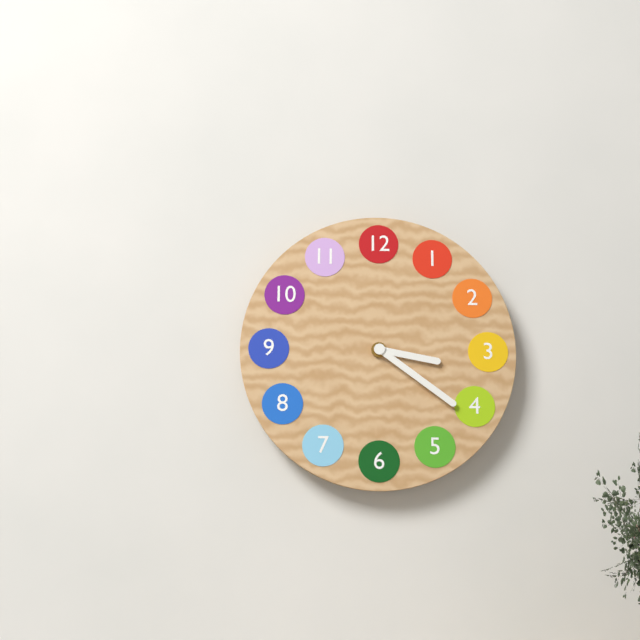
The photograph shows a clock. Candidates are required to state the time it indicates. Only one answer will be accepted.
3:21
